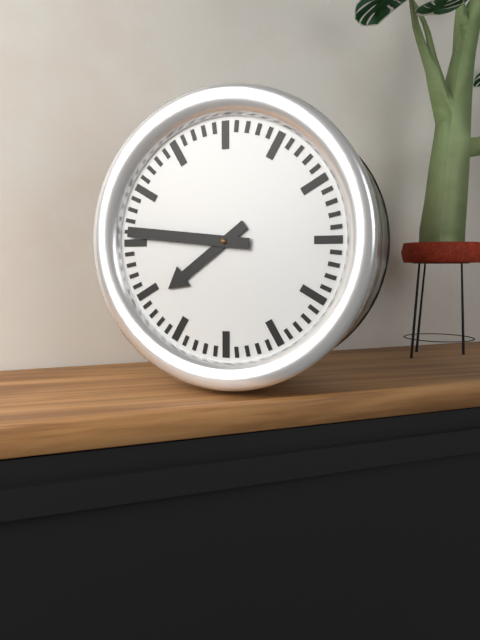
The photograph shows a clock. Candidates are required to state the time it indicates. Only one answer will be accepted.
7:46
